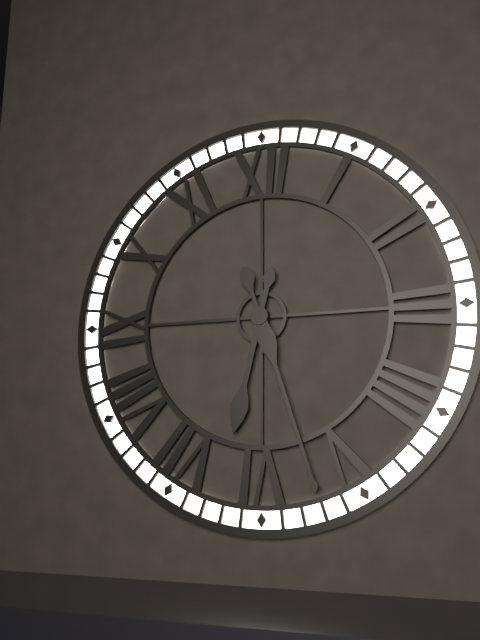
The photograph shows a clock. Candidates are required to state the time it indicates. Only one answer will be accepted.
6:27
